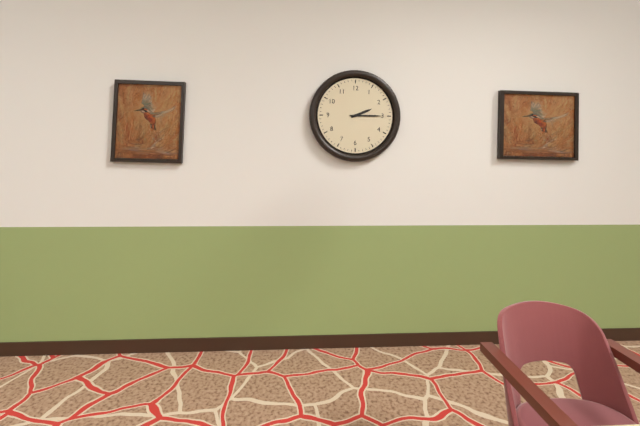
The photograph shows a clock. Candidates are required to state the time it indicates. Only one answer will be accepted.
2:15
